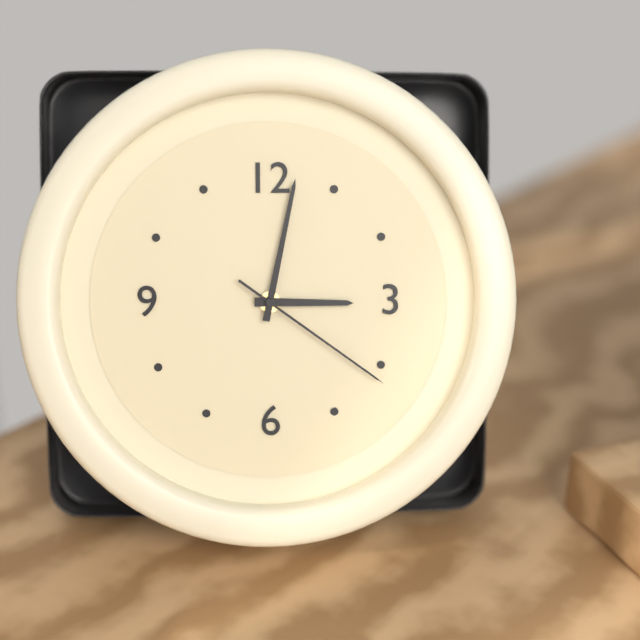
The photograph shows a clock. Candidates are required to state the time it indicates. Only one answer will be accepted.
3:02:21
